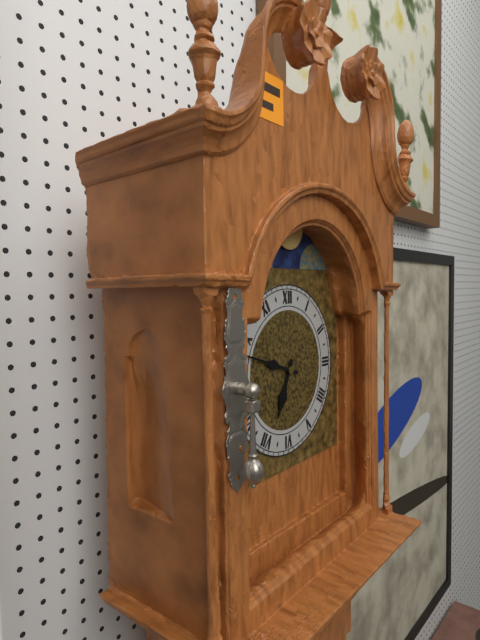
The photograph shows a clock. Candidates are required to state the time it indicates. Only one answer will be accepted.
6:48
